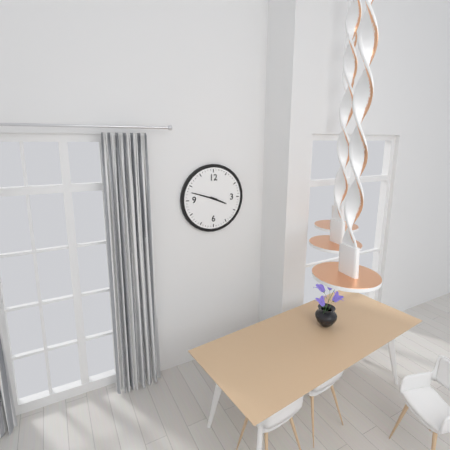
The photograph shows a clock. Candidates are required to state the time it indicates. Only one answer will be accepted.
3:48
